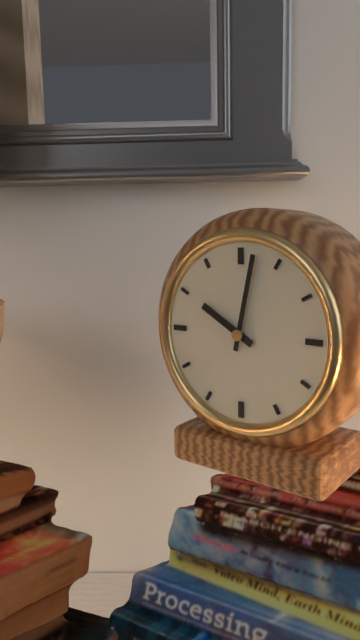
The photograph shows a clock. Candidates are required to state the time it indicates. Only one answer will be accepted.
10:02
